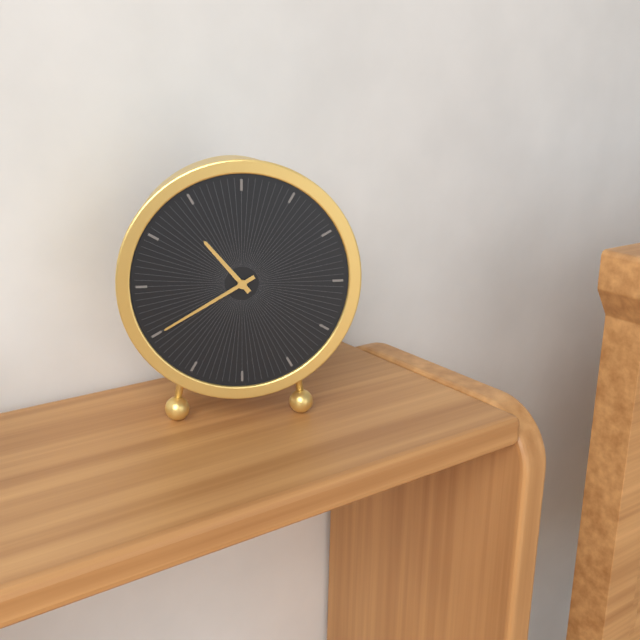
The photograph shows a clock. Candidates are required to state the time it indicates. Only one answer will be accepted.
10:40
